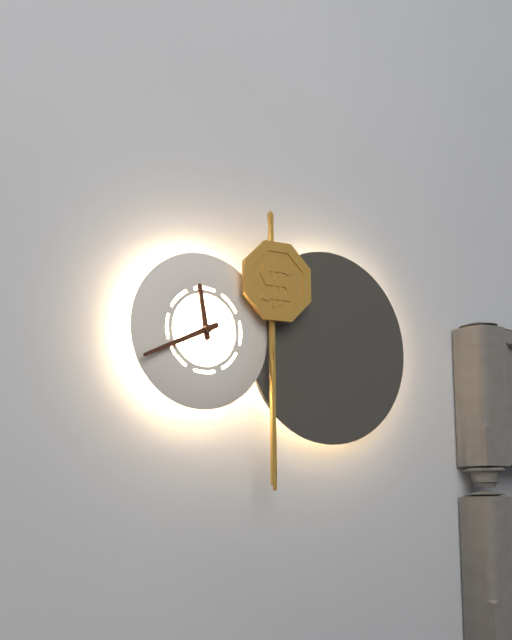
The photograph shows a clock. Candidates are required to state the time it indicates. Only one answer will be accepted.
11:41
